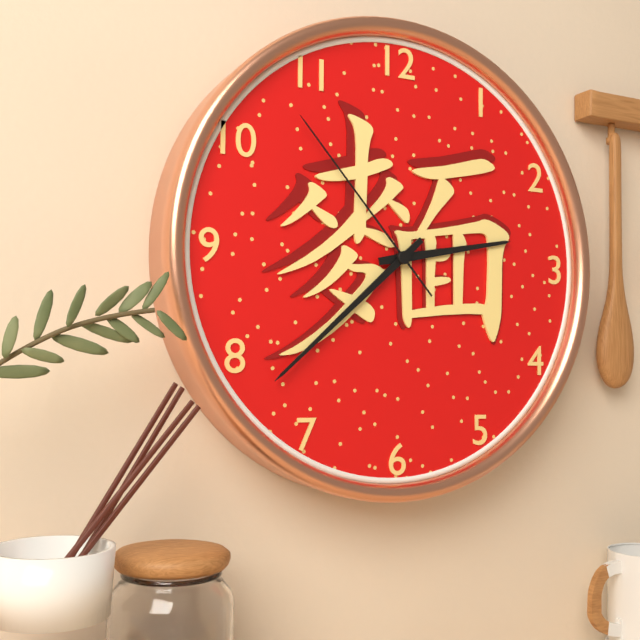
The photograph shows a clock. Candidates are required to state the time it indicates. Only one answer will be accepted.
2:38:53
